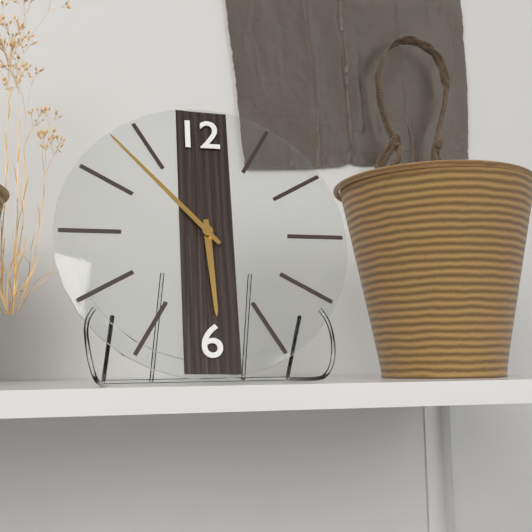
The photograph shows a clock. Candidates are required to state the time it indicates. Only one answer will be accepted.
5:53
